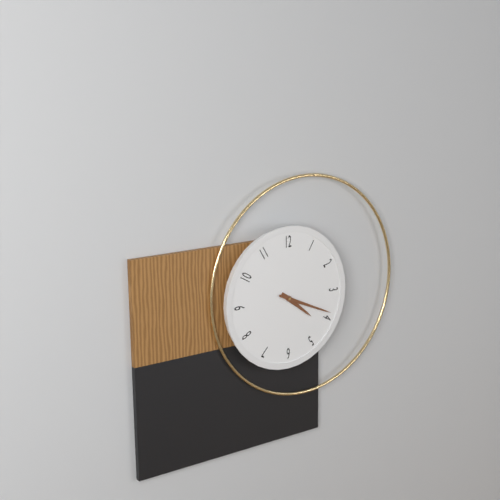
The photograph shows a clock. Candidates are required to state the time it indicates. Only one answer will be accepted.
4:19
